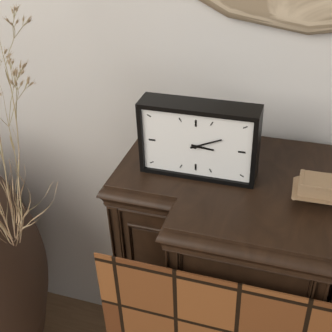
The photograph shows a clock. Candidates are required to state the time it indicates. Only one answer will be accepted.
3:11
